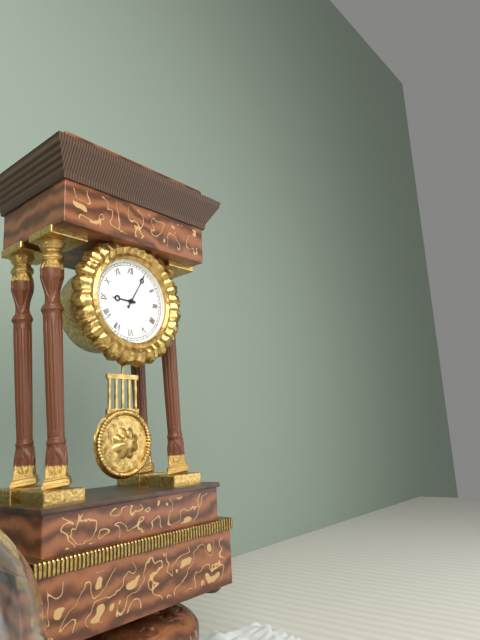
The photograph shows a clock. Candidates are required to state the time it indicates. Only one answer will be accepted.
9:05
